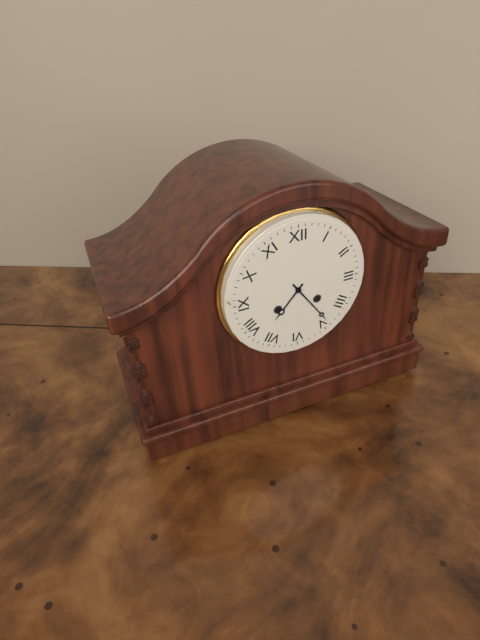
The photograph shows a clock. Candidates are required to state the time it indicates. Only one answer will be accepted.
7:24
